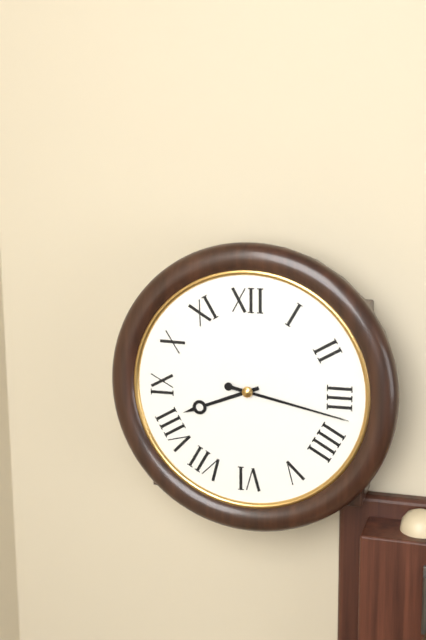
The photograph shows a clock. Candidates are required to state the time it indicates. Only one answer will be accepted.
8:17
